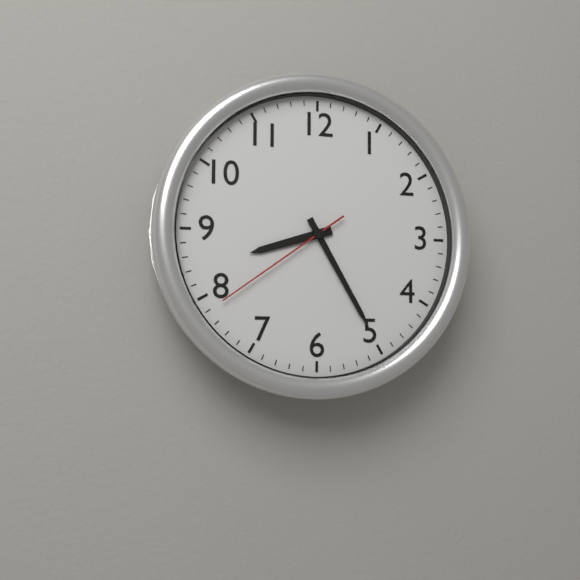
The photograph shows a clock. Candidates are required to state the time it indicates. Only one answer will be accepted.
8:25:39
